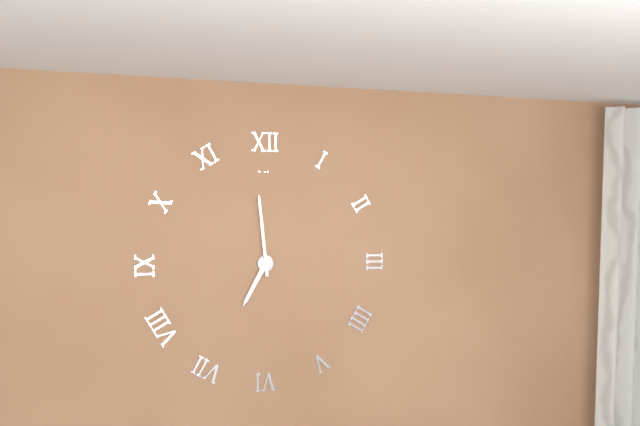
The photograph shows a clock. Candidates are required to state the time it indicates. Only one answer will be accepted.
6:59
